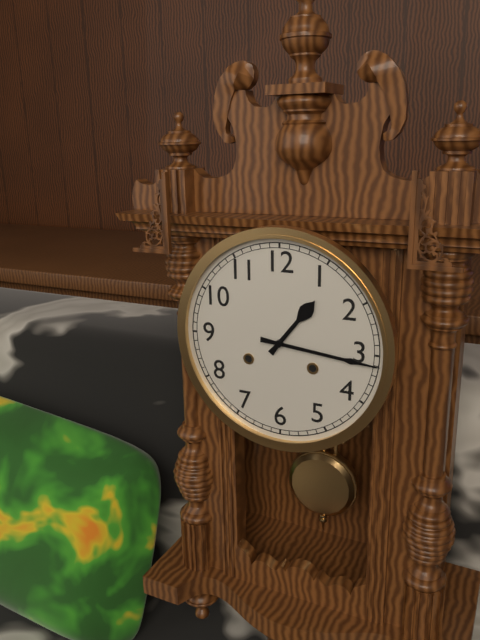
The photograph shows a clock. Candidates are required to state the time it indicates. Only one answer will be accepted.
1:16
